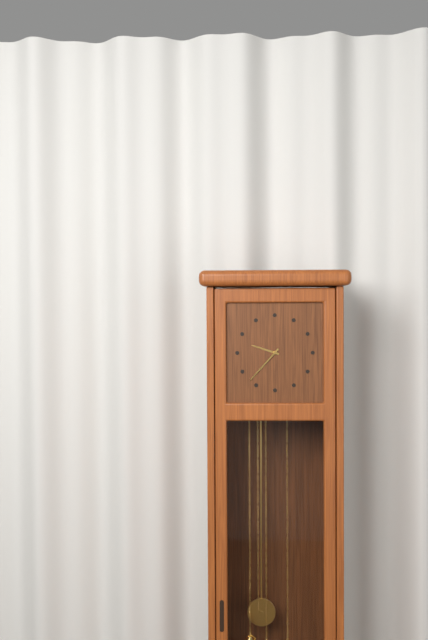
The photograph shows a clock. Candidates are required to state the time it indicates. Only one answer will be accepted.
9:37
